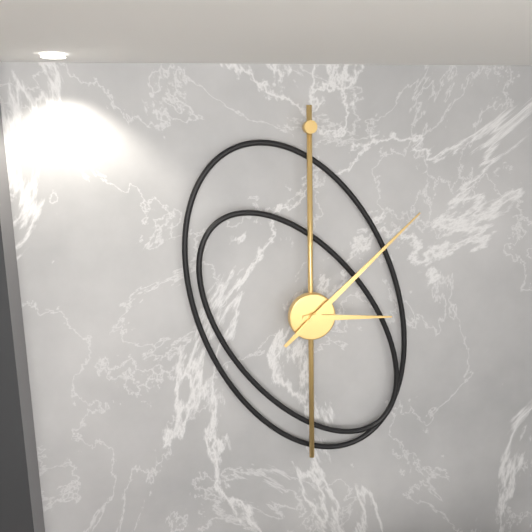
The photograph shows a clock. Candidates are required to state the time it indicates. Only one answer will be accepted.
3:08
